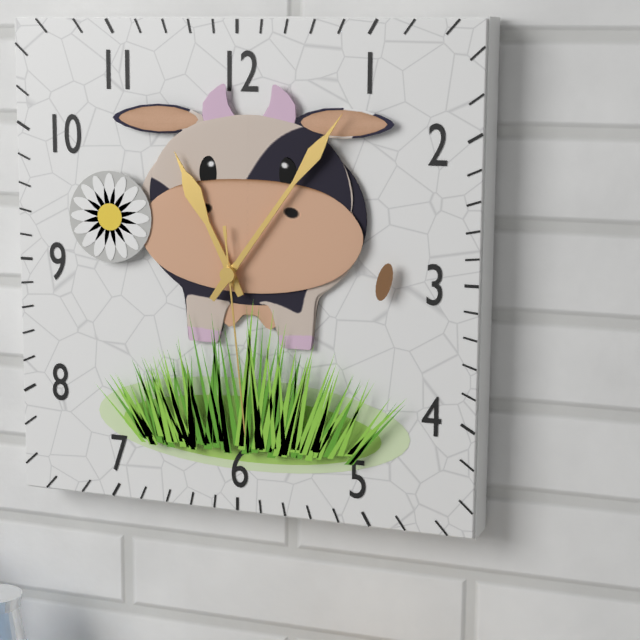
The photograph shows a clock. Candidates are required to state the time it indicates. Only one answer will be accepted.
11:06:29
